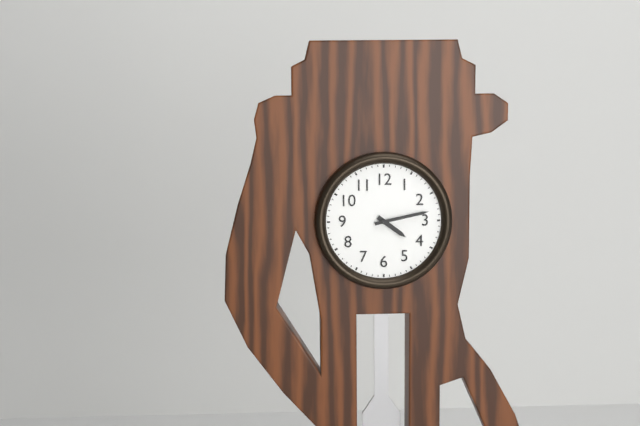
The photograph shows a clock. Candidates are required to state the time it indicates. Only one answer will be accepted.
4:13
